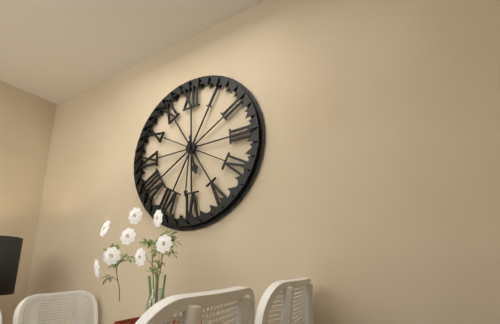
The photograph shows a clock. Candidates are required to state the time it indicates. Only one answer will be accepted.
5:31
